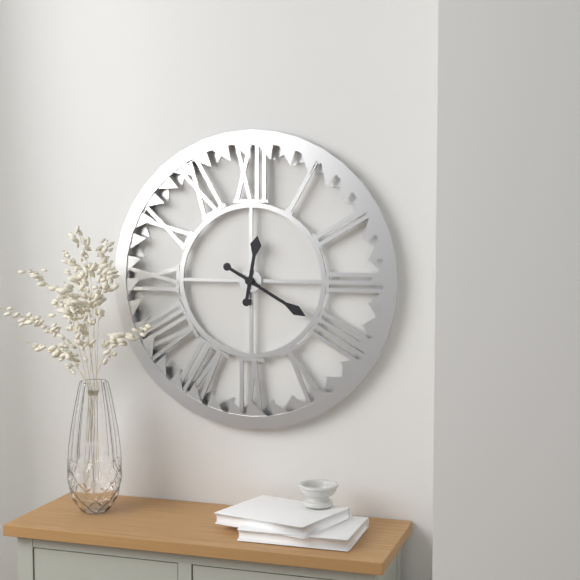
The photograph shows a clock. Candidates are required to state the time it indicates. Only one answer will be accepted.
12:20
